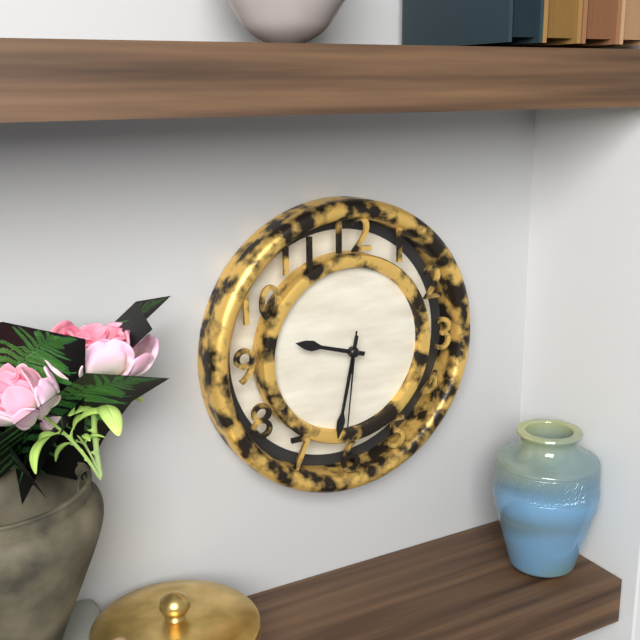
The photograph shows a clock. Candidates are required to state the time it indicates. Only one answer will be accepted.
9:32:31
